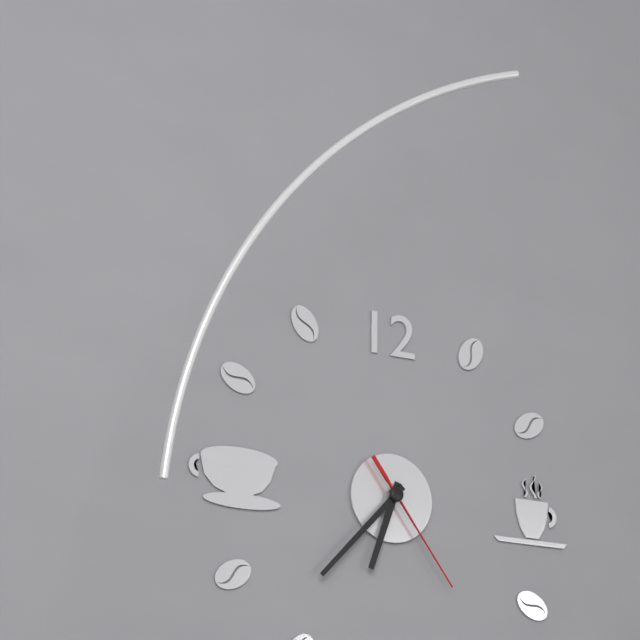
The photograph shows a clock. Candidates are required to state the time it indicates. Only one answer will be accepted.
6:37:24
